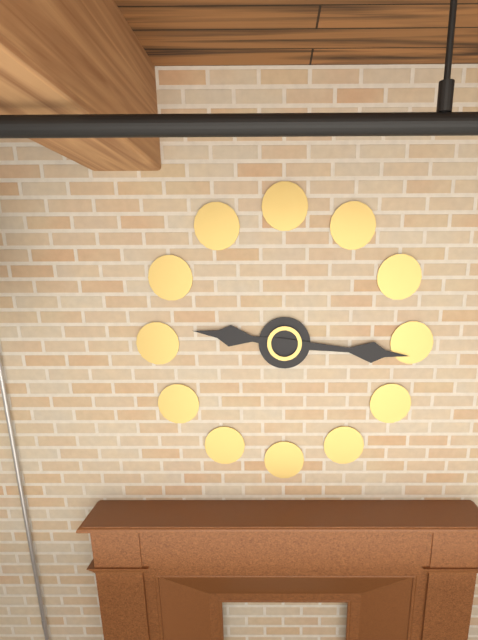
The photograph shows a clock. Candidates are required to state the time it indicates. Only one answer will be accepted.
9:16
